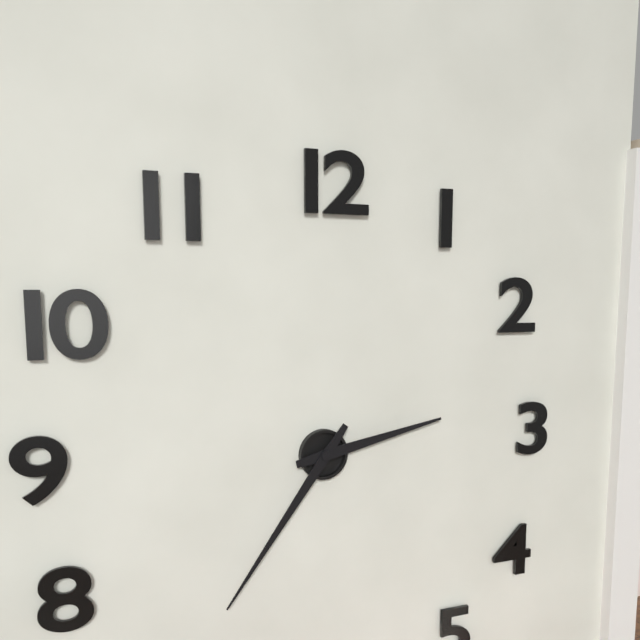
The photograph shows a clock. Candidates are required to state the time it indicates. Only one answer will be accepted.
2:36
